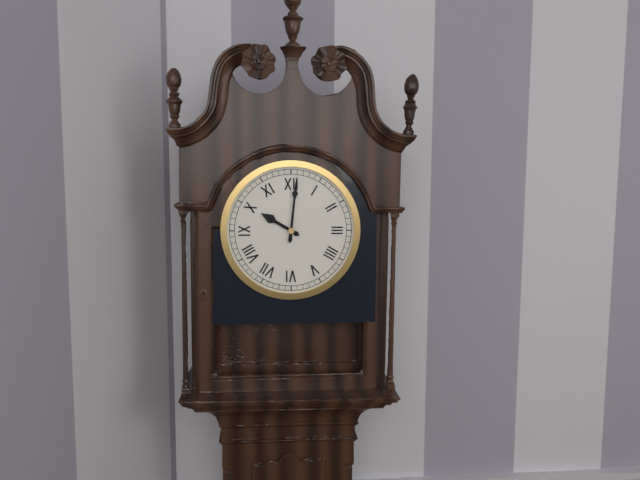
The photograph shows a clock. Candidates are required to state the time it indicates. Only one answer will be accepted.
10:01
